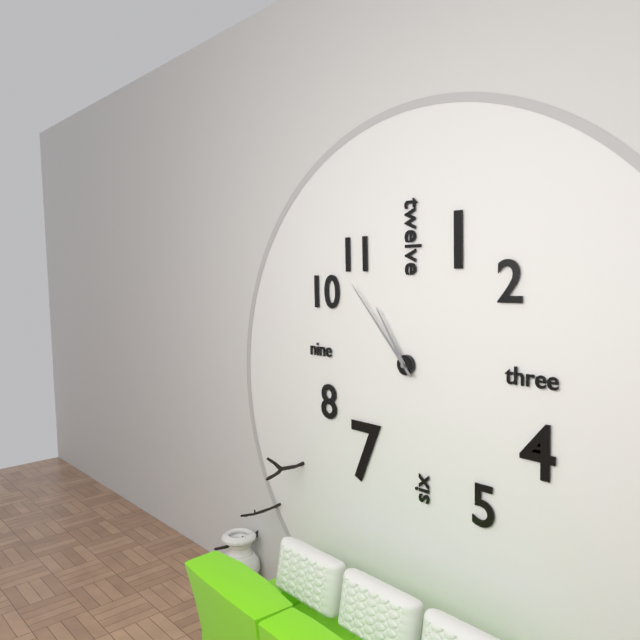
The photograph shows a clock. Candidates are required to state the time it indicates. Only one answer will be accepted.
10:53
